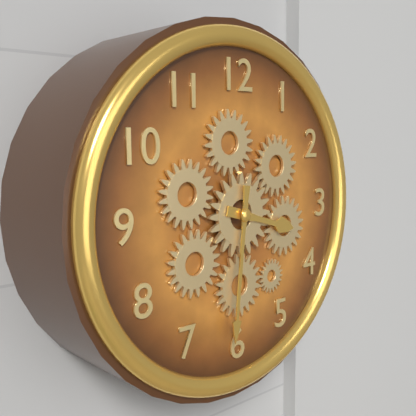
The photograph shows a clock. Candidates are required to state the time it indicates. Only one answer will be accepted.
3:31
